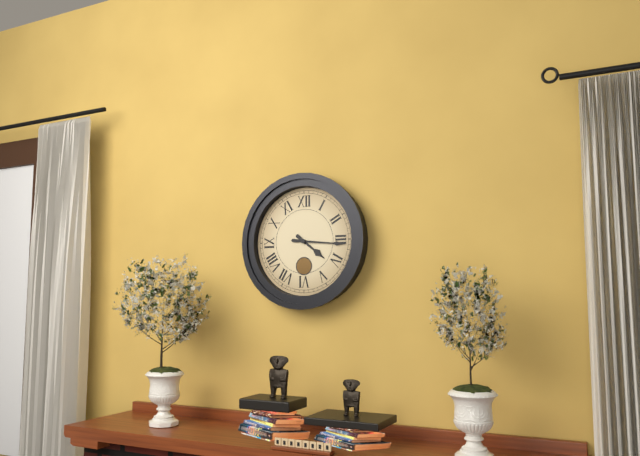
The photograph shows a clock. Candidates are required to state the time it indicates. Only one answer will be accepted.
4:16
